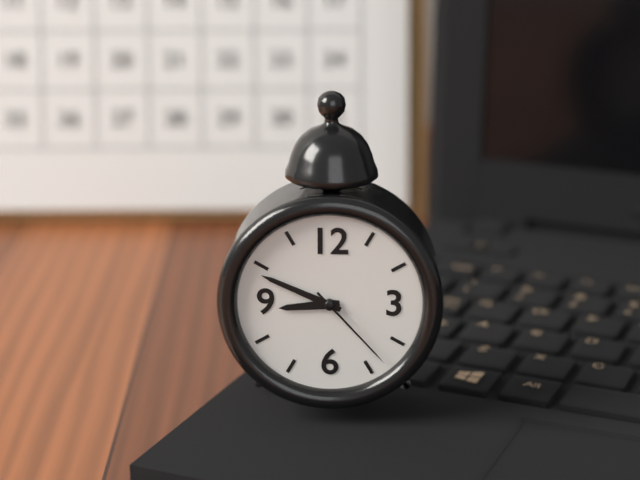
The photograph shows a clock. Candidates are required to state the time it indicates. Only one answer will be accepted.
8:49:23
